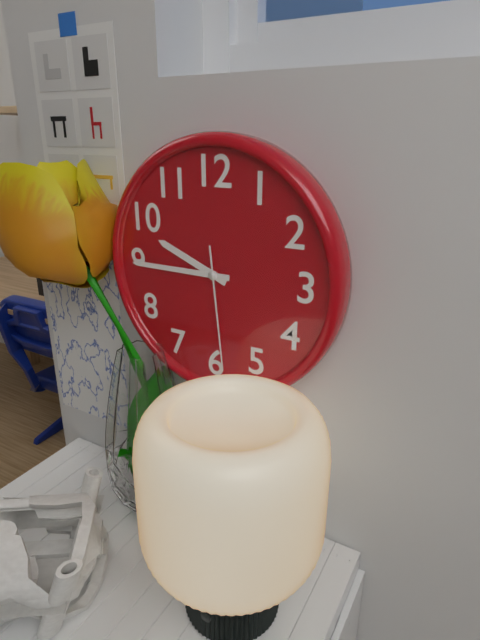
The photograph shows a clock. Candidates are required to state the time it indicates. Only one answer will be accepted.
9:45:29
